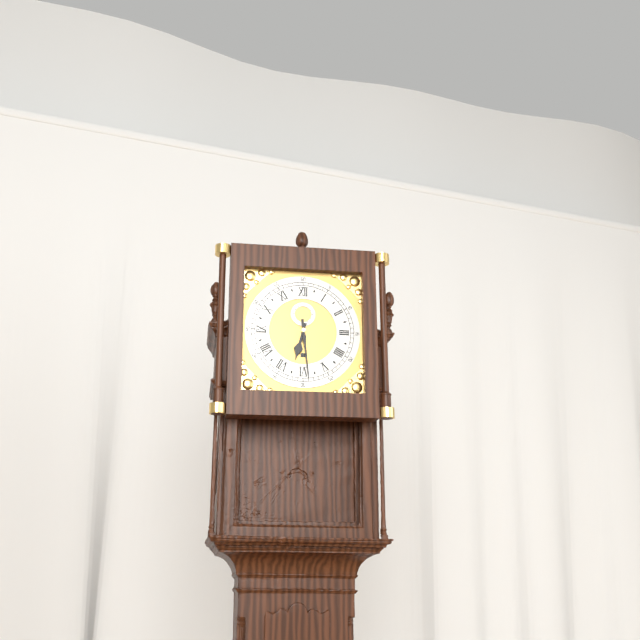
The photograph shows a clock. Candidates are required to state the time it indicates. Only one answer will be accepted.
6:29
